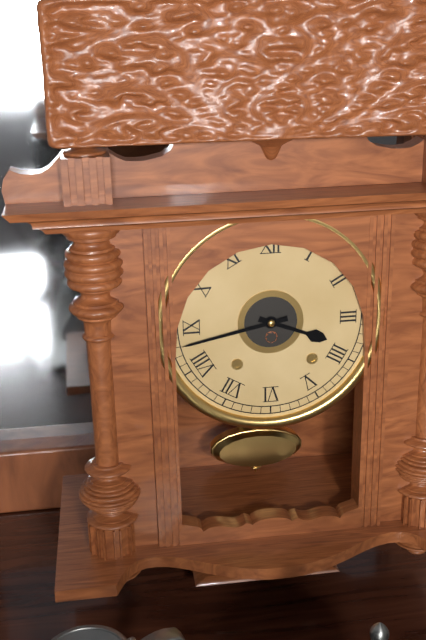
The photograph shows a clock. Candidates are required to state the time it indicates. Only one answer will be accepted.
3:43
